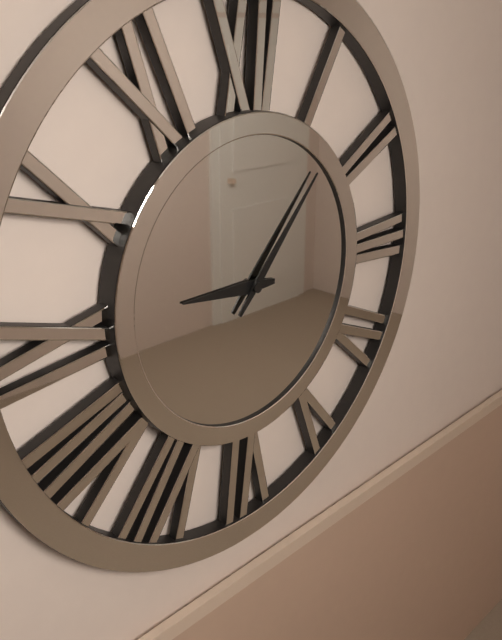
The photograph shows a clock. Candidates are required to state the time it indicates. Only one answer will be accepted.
9:07
